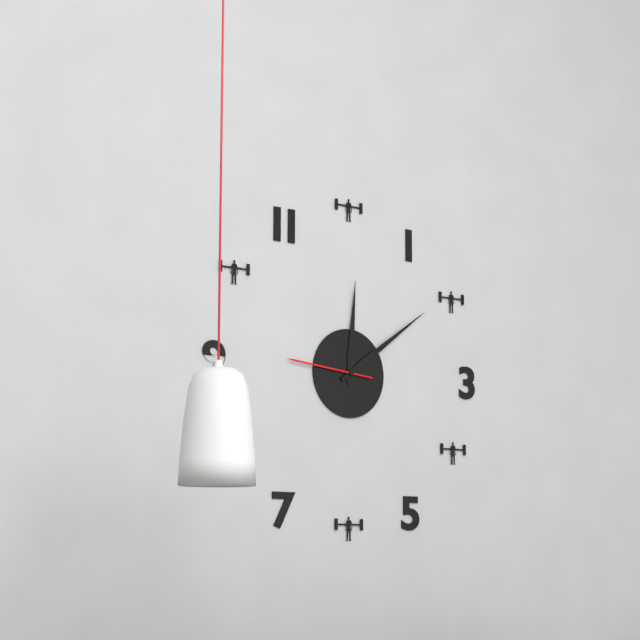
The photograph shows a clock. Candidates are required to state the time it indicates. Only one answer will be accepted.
12:09:46
